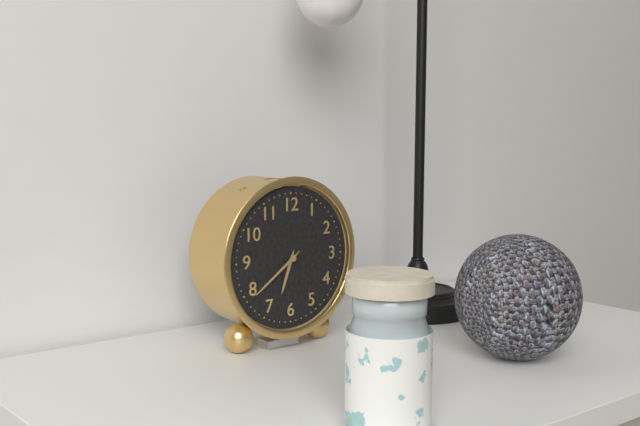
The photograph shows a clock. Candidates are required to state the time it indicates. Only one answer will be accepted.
6:39
